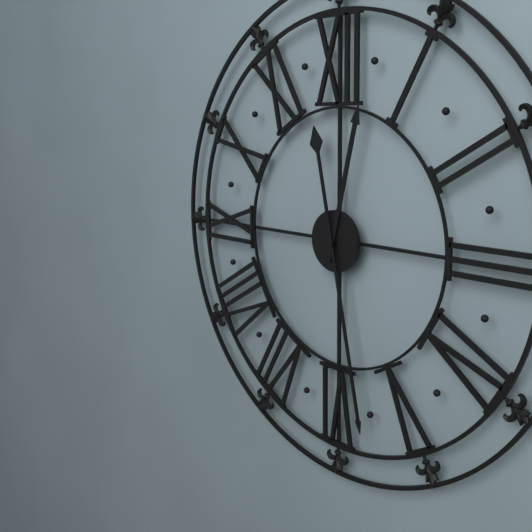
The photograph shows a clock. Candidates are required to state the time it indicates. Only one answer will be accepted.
12:28
